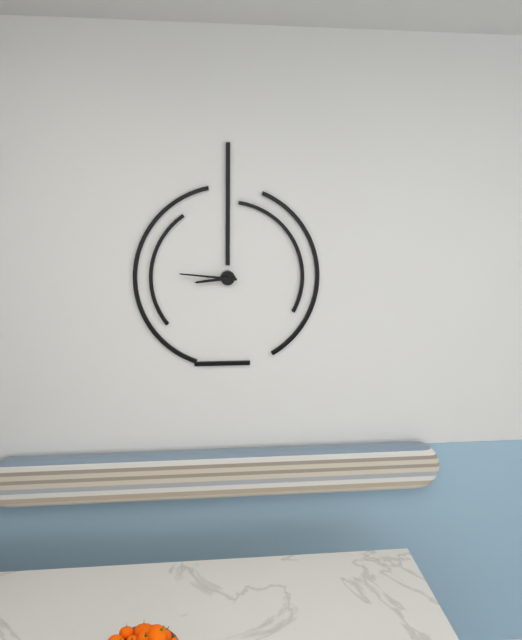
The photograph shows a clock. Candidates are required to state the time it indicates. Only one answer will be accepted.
8:46
